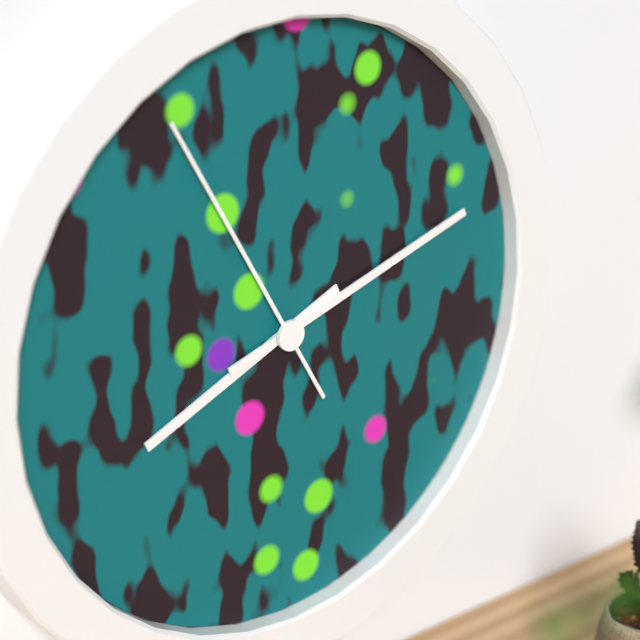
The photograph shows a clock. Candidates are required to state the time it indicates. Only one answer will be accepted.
8:12:55
